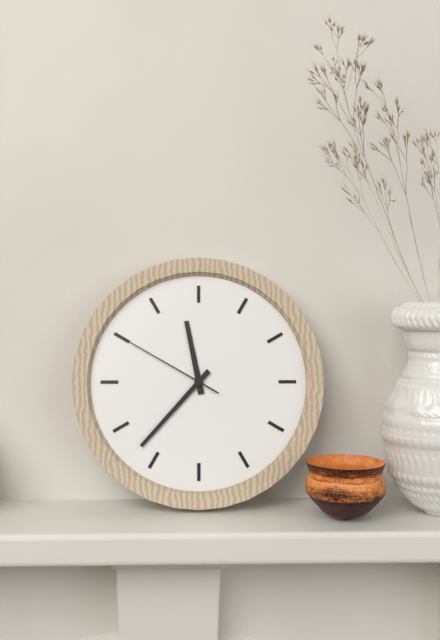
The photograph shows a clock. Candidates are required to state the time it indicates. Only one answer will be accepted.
11:37:50
